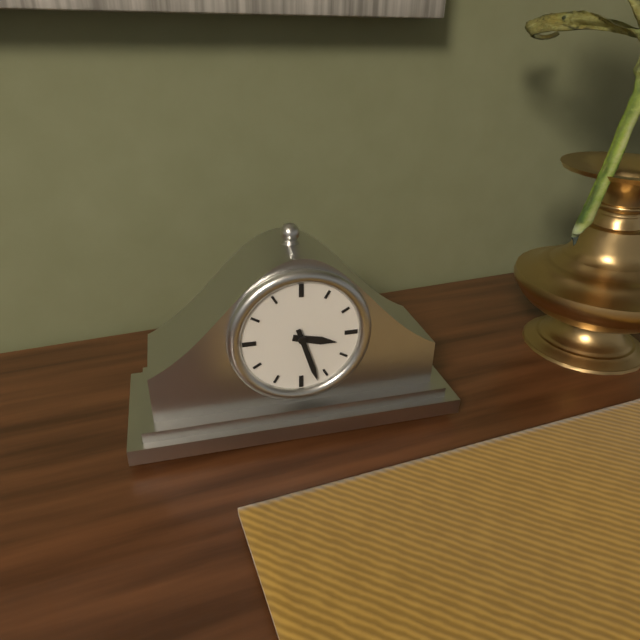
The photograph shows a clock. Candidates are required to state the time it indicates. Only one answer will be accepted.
3:27
